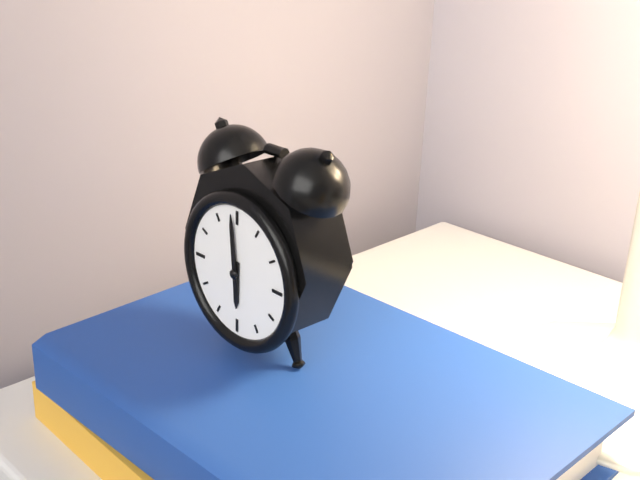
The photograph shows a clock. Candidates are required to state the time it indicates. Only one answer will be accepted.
5:59
